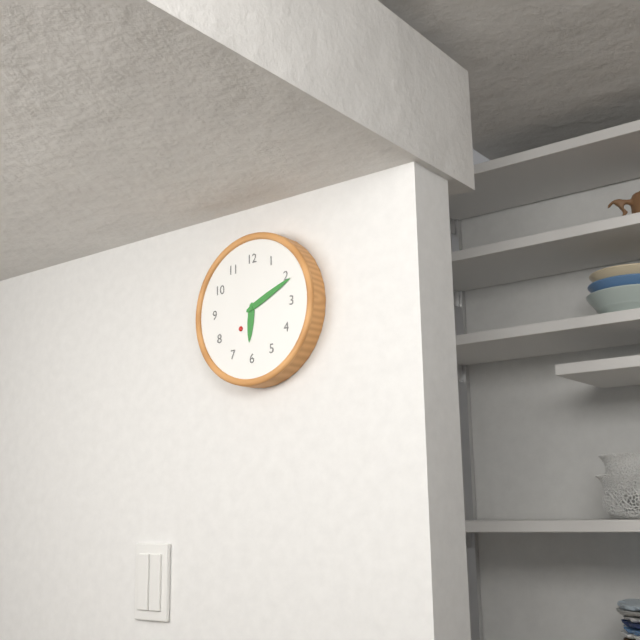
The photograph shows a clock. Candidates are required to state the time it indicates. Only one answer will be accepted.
6:11
